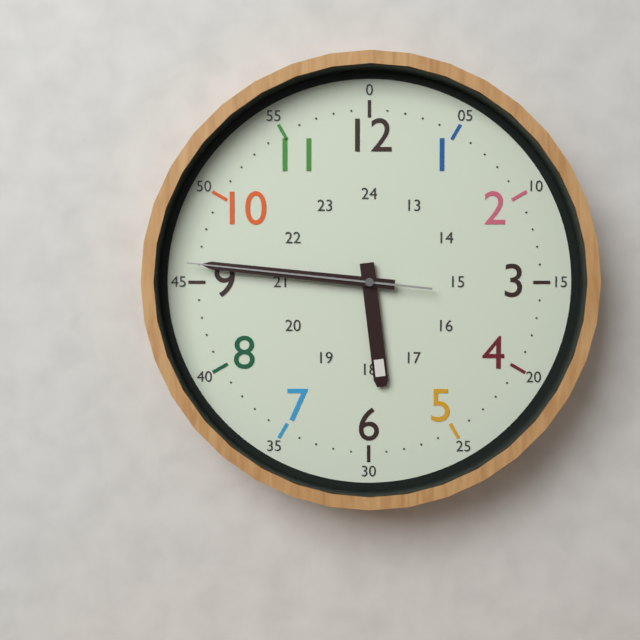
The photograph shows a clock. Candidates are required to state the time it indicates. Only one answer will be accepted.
5:46:46
